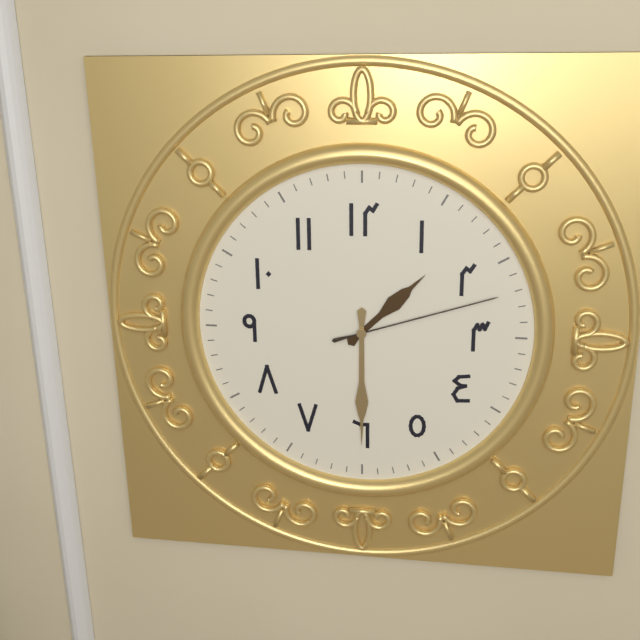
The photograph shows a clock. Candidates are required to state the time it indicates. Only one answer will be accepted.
1:30:12
